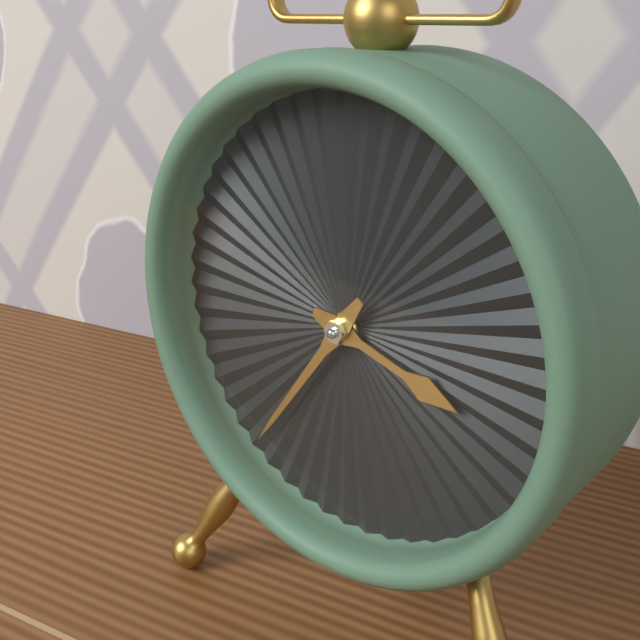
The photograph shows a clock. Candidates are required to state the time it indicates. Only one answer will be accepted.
3:36
